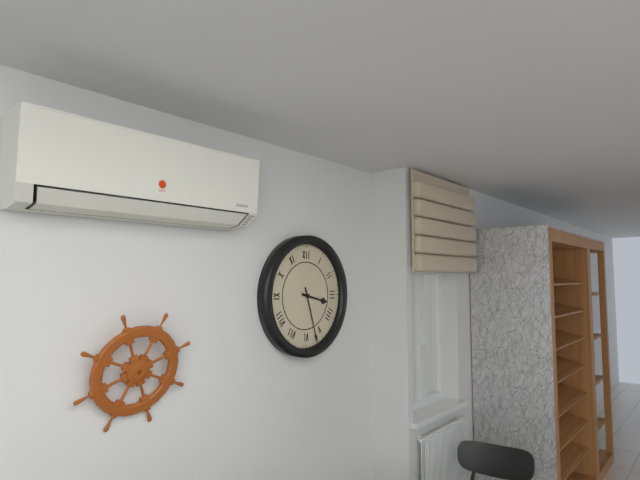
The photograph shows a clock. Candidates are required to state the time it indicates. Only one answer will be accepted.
3:27
